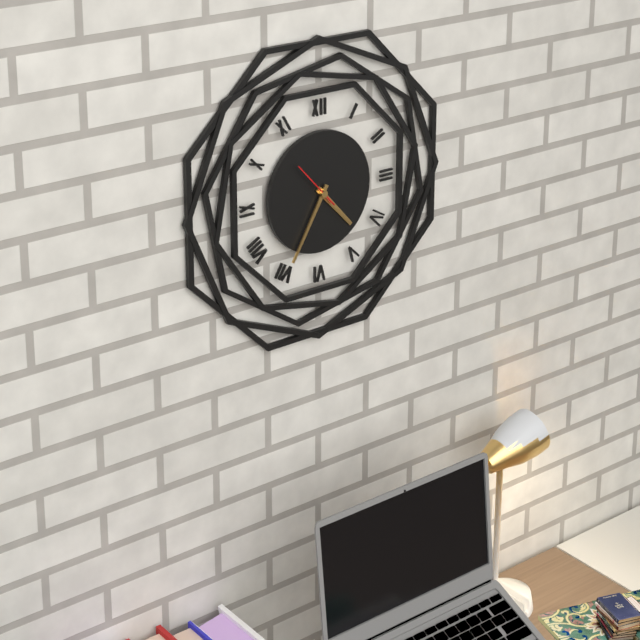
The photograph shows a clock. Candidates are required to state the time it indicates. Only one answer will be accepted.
4:35
